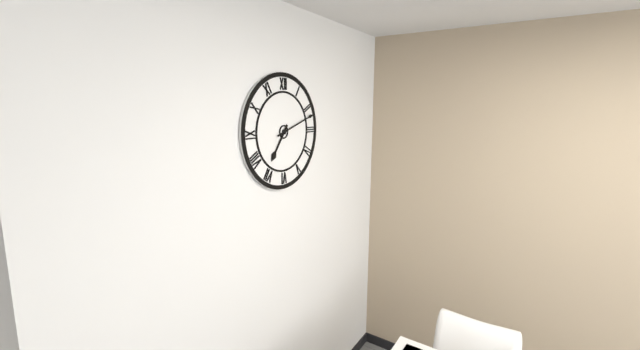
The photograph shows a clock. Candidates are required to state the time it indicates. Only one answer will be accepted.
7:12
